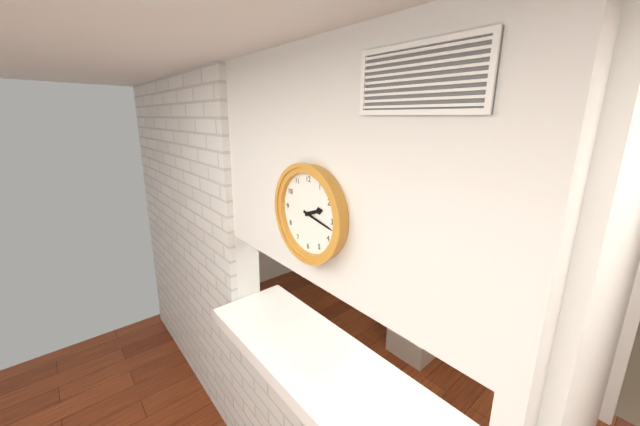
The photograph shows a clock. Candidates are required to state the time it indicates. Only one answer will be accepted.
2:17
